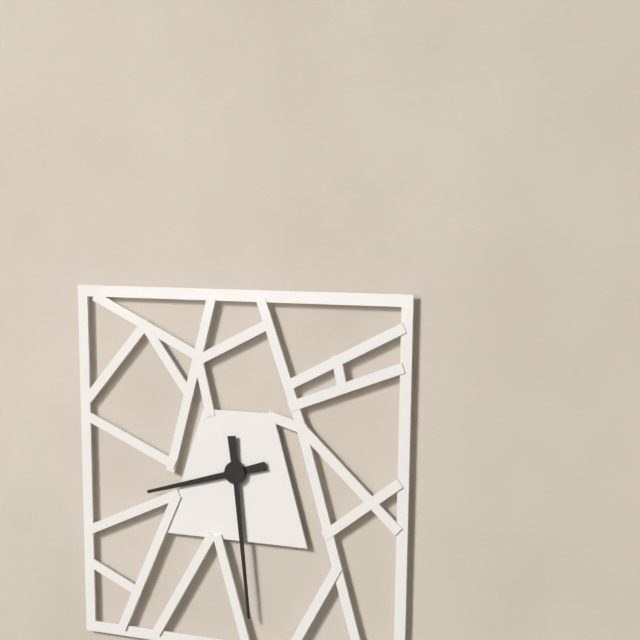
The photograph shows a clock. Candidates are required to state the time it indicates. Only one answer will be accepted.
8:29
